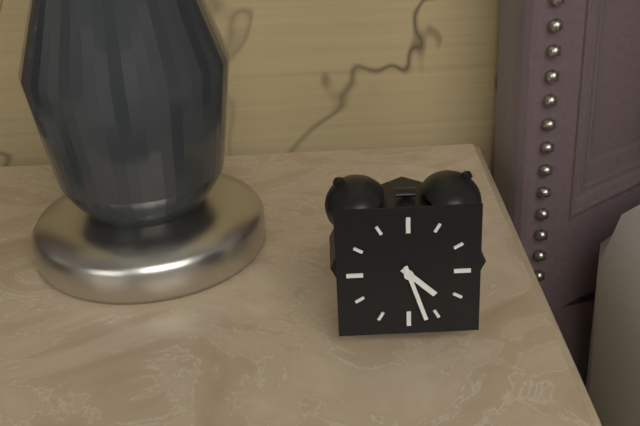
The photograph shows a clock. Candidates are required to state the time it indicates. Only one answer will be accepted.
4:27
